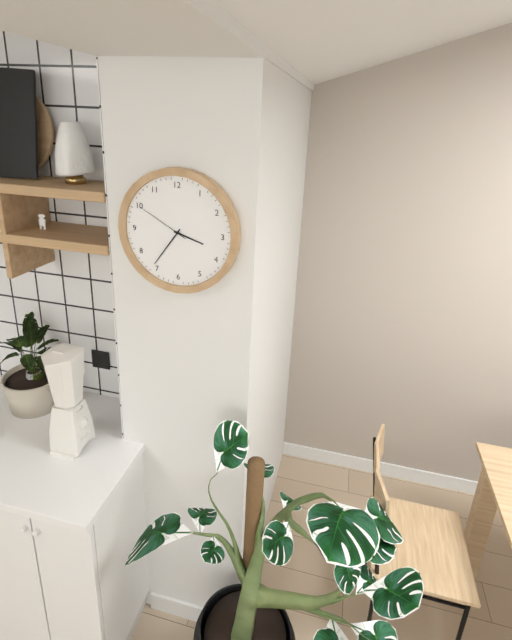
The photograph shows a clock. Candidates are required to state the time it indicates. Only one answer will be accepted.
3:36:50
